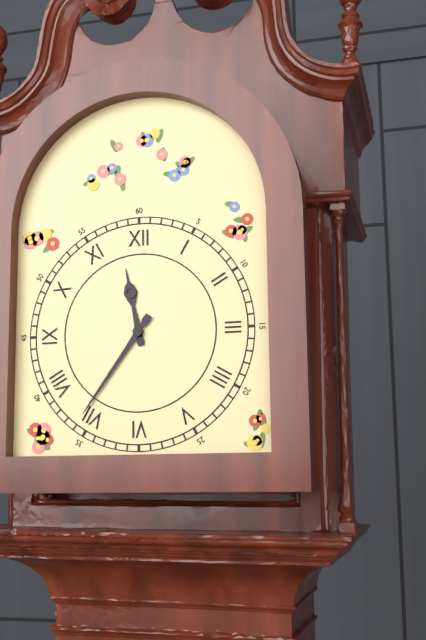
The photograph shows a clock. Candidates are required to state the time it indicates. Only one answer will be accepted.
11:36
